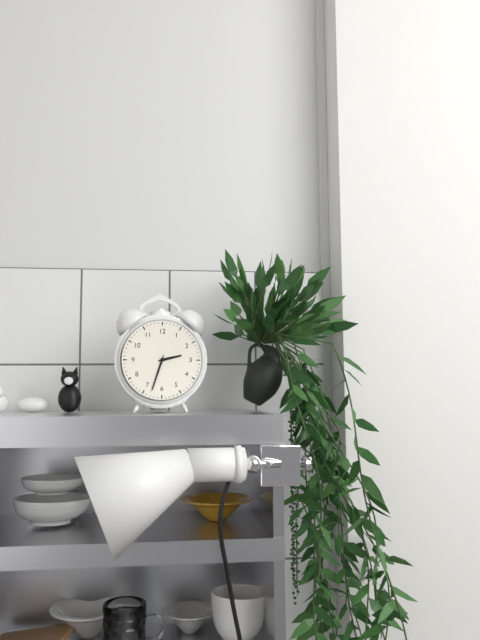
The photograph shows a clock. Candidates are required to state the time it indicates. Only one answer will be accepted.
2:33
